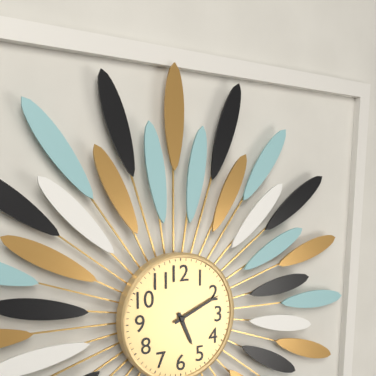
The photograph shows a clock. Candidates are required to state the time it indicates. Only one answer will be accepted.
5:11
